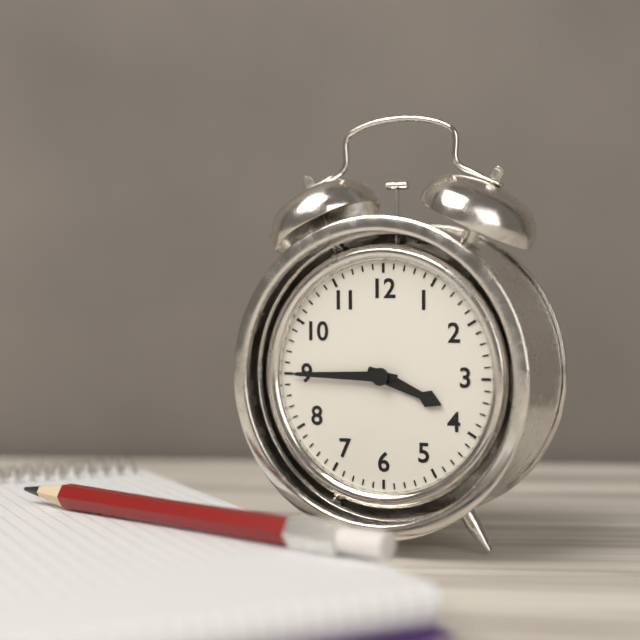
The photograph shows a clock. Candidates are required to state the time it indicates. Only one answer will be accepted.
3:45
